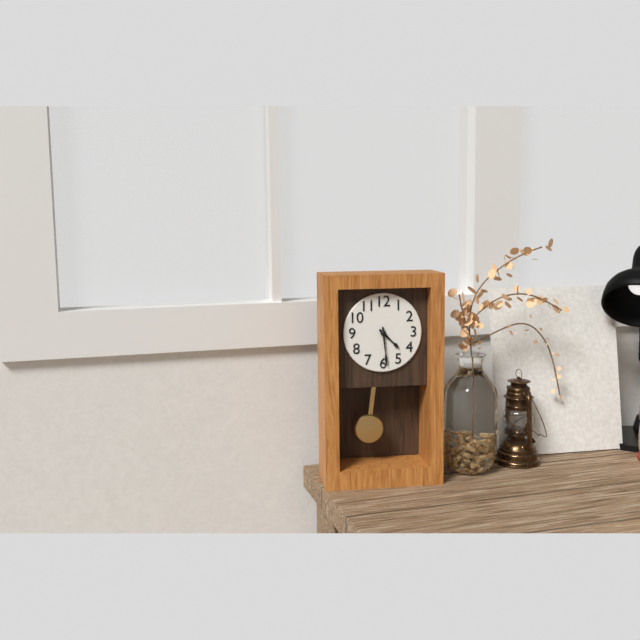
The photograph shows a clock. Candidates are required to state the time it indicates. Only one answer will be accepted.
4:29
